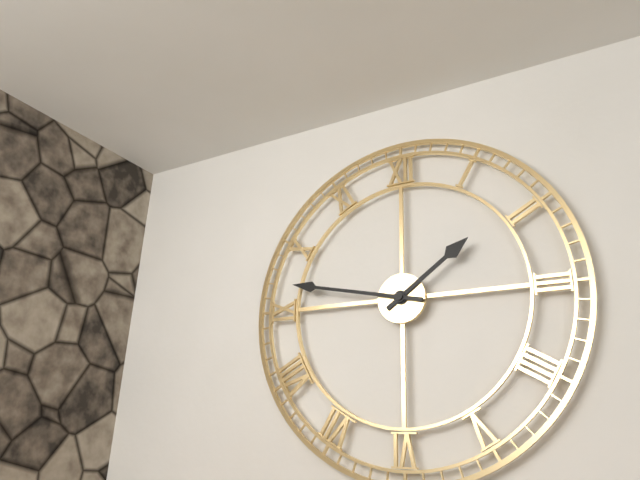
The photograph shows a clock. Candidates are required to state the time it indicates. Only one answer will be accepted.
1:47
